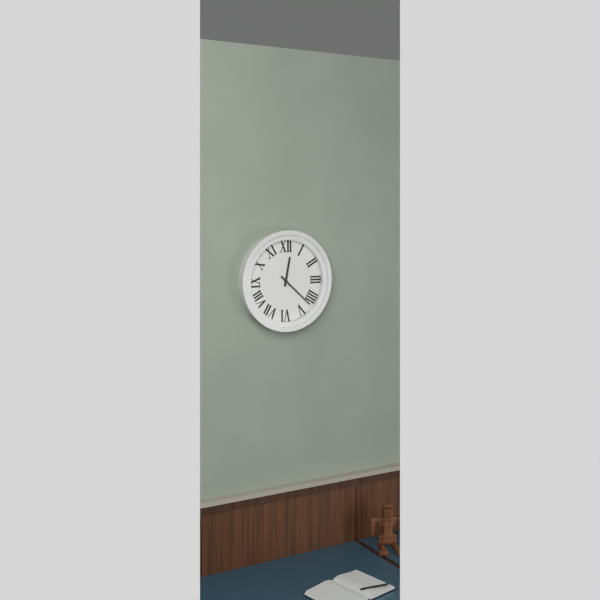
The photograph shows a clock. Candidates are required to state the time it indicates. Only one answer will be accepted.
12:22
